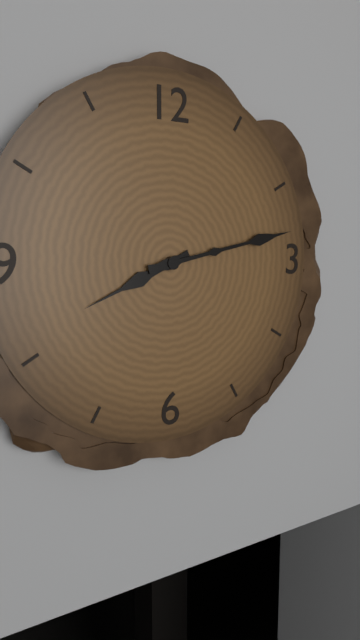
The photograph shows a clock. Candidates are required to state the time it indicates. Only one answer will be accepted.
8:13
